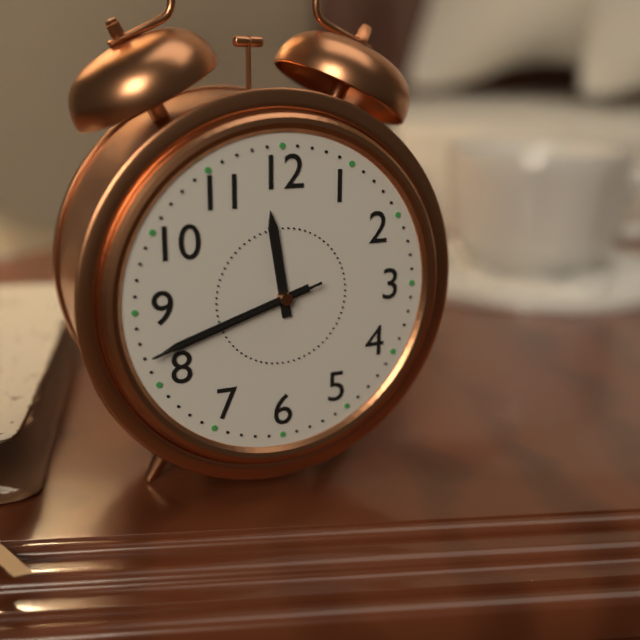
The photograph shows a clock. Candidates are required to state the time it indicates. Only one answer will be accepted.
11:42:42
